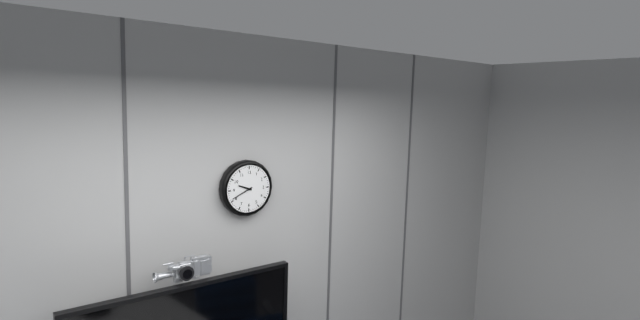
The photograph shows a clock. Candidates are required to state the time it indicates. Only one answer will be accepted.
9:41
